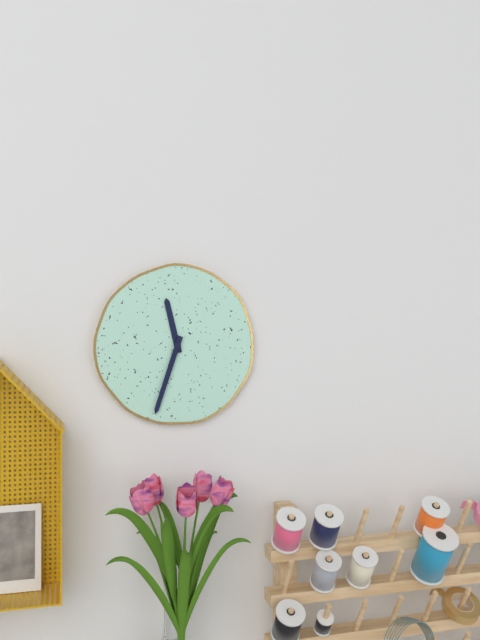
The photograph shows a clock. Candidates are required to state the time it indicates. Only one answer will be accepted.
11:33
